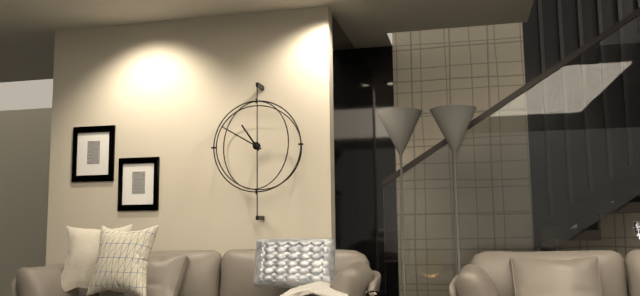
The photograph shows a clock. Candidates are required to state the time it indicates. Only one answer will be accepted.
10:50
